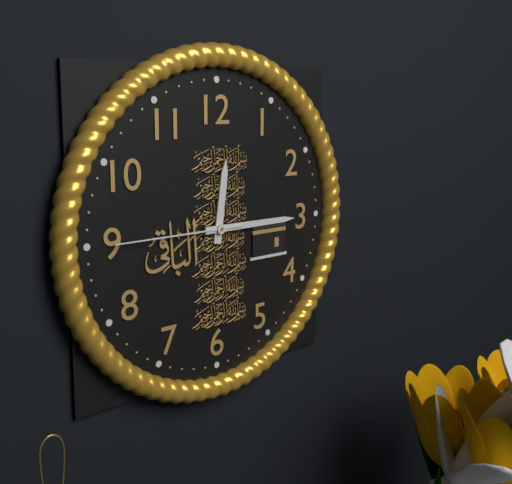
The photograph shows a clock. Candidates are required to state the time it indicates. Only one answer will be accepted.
12:15:45
